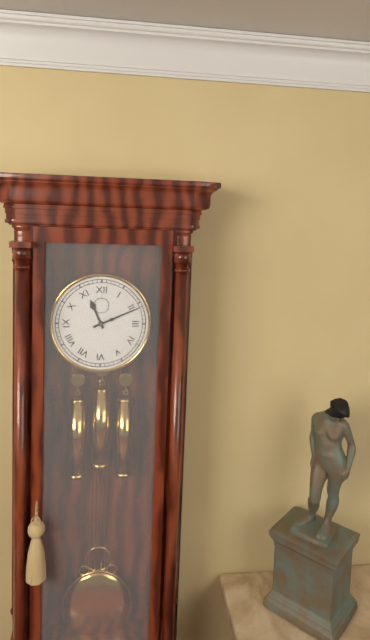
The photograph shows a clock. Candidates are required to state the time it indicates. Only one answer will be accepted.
11:11
